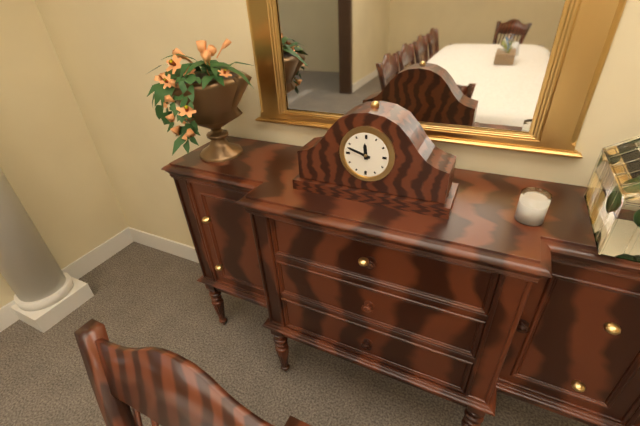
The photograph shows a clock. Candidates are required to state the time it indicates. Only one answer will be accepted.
11:48
